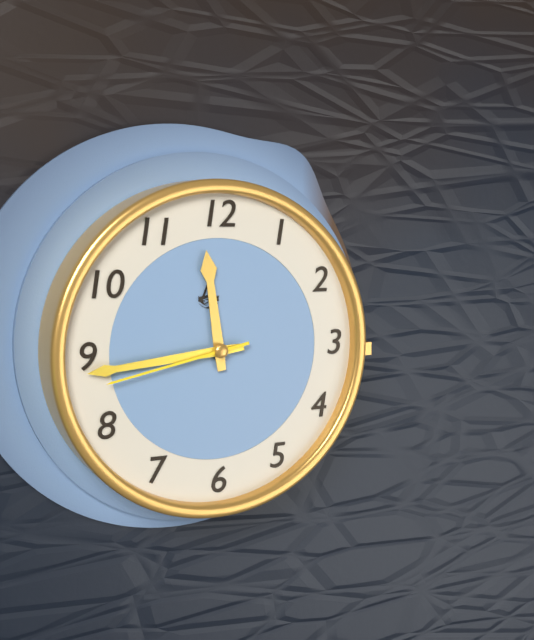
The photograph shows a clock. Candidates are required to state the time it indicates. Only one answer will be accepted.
11:44:43
